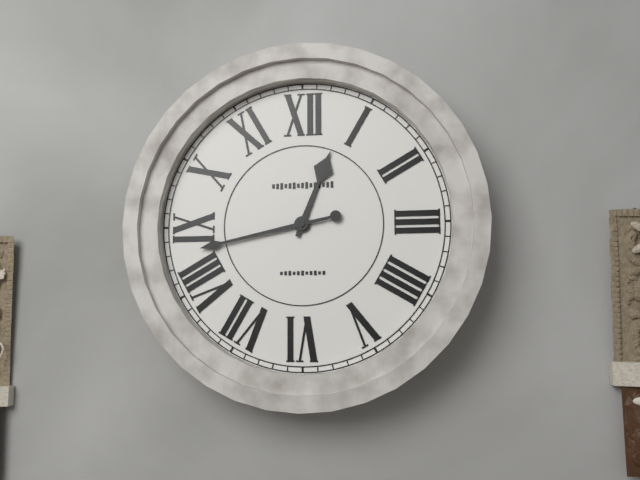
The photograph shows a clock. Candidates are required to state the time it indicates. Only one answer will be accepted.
12:43
